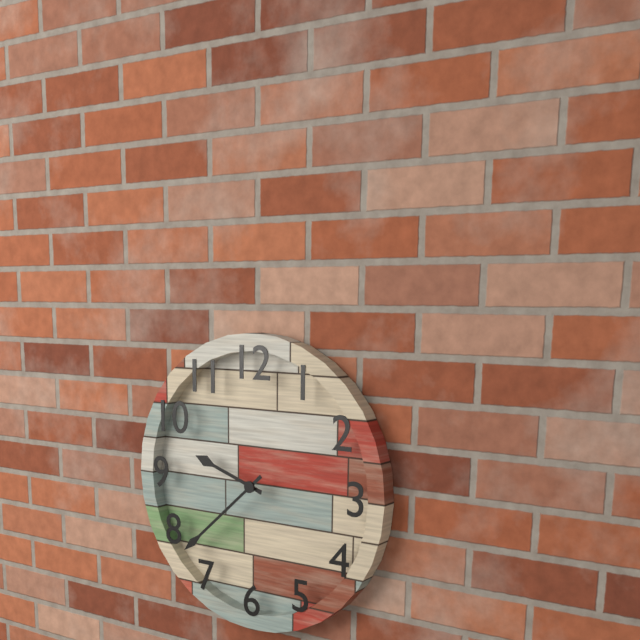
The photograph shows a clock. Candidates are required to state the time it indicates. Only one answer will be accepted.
9:38
